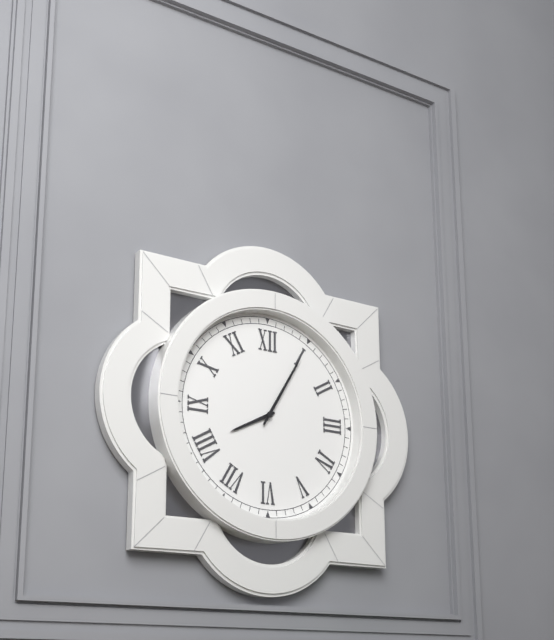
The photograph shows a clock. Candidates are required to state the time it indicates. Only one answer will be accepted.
8:05
